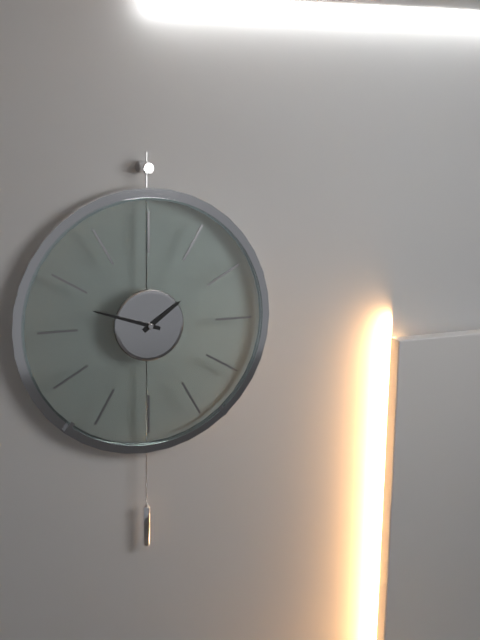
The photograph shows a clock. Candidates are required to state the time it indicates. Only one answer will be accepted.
1:48
